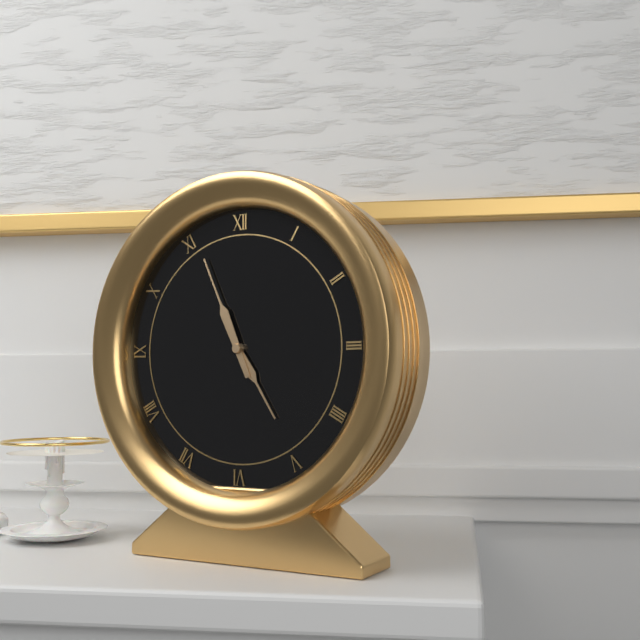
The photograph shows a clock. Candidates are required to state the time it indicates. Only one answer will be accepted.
4:56
